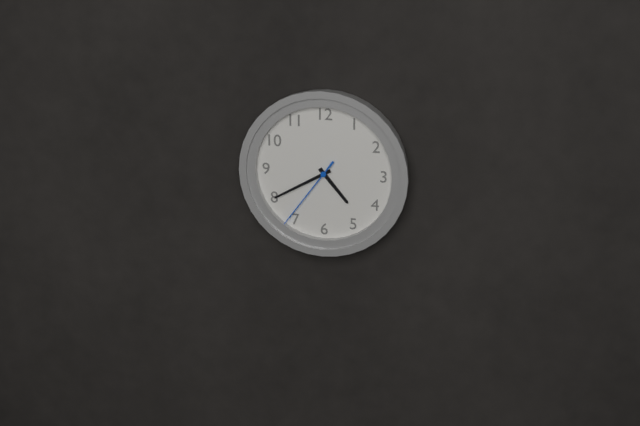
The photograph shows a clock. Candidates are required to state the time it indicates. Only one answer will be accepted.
4:40:36
